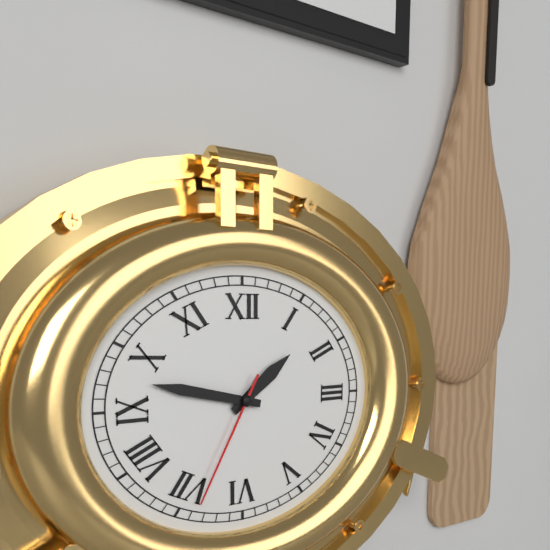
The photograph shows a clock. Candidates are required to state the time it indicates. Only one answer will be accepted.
1:47:35
